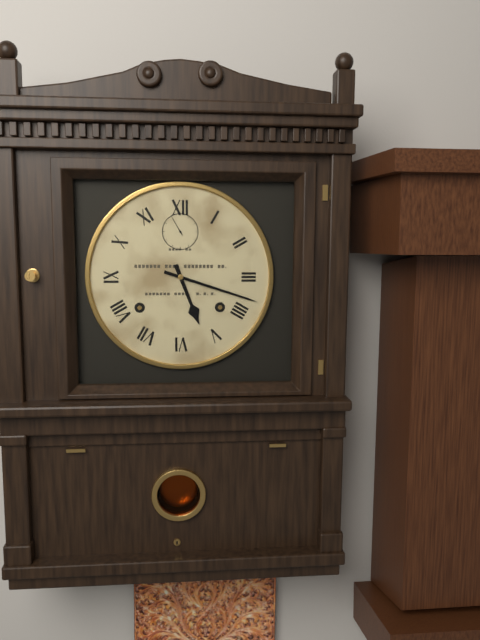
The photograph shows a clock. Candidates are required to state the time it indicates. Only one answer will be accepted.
5:18
